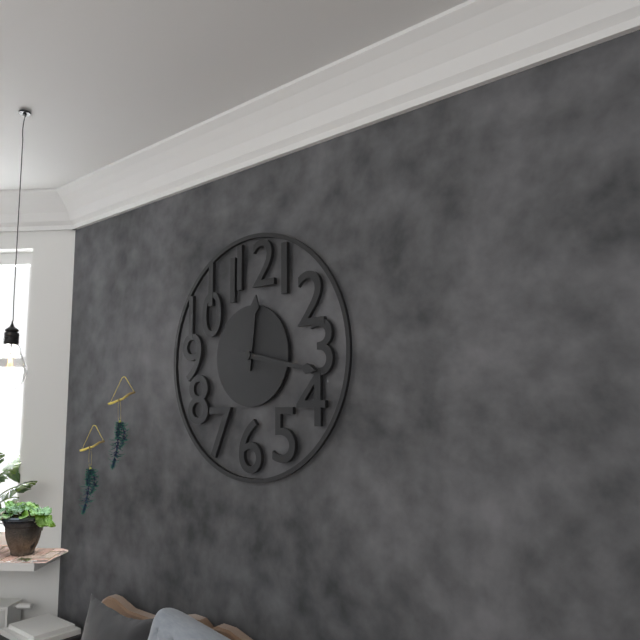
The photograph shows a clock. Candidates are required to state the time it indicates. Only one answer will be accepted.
12:17
